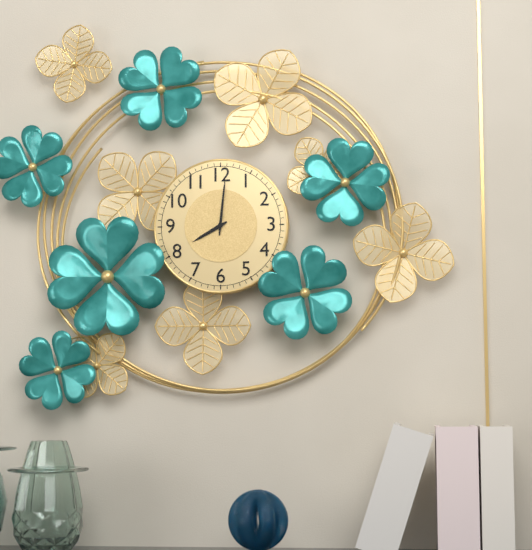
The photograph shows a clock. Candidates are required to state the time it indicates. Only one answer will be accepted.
8:01
